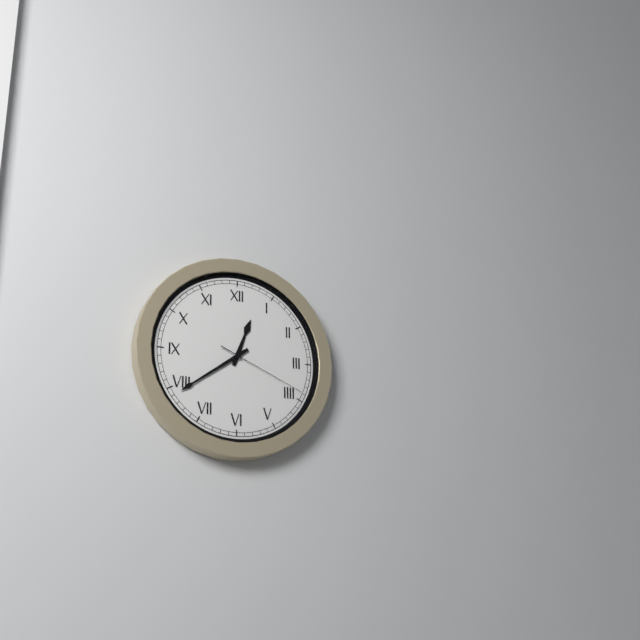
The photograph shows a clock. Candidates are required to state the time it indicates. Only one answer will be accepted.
12:39:19
